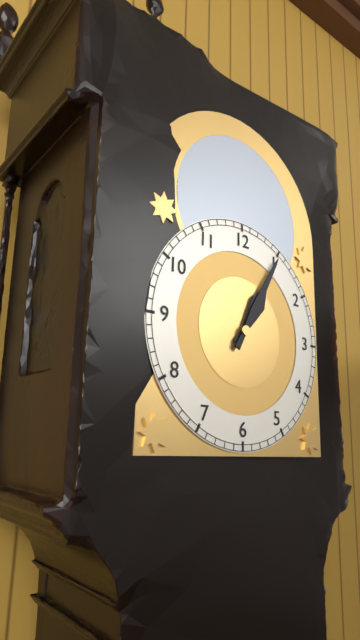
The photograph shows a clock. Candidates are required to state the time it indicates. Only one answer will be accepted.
1:05
